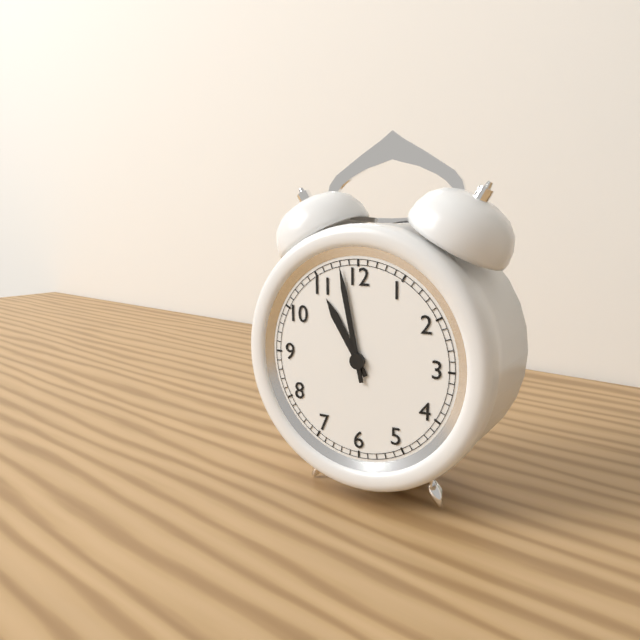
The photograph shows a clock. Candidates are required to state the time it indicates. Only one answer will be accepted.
10:58
